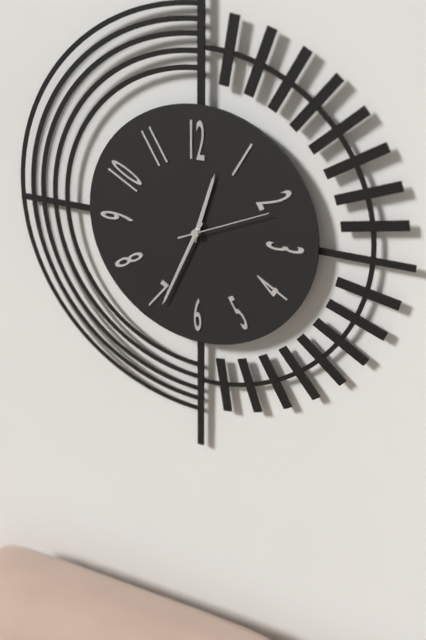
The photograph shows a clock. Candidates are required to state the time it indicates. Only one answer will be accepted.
12:34:11
